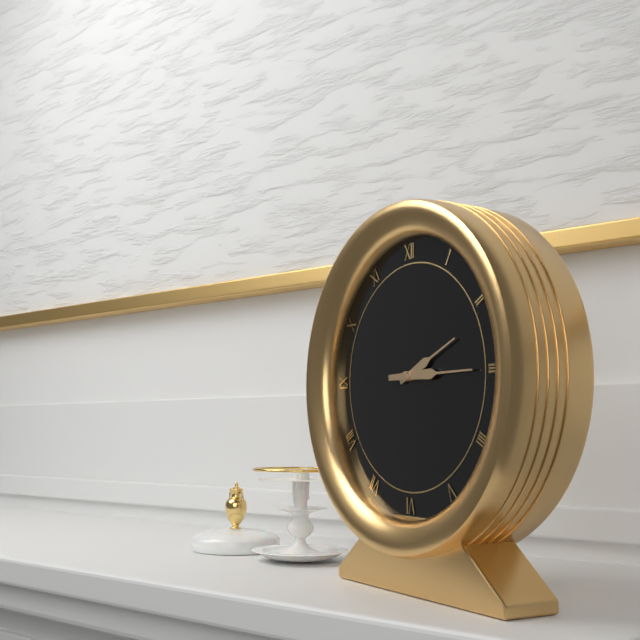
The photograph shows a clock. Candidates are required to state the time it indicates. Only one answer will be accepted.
2:15
